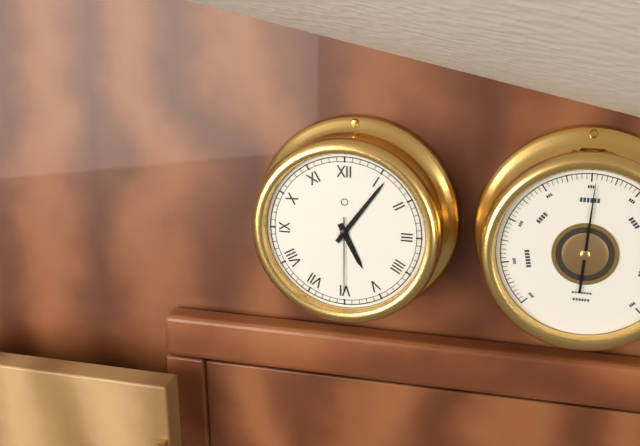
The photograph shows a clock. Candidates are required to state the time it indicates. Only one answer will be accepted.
5:06:30
